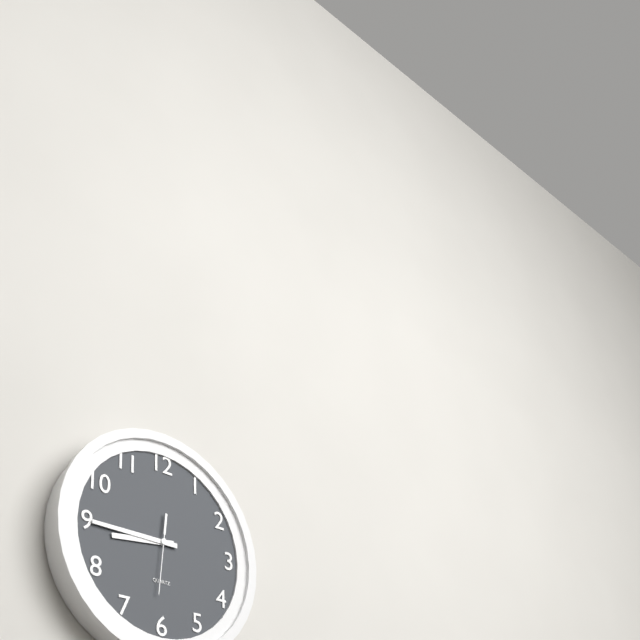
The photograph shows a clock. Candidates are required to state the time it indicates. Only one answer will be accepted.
8:45:31
